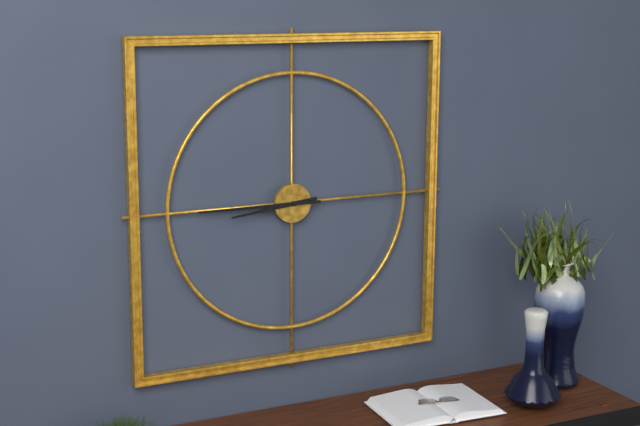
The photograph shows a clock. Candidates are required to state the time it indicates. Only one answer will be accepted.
8:45
